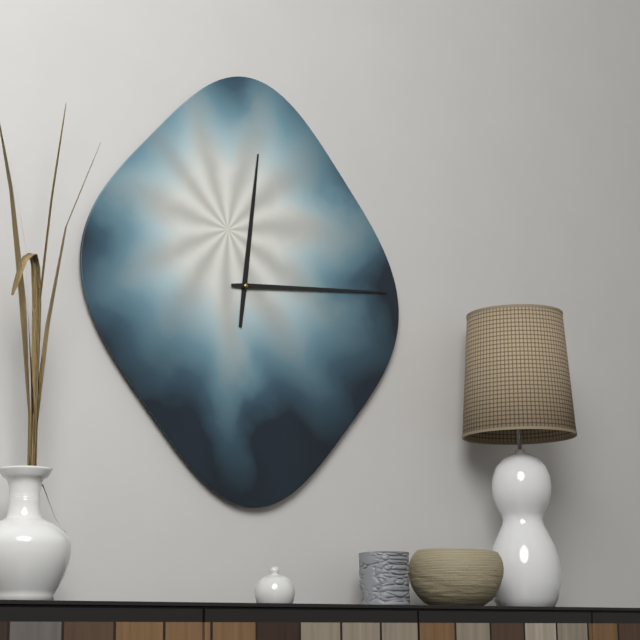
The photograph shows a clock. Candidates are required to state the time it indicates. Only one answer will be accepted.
12:14
